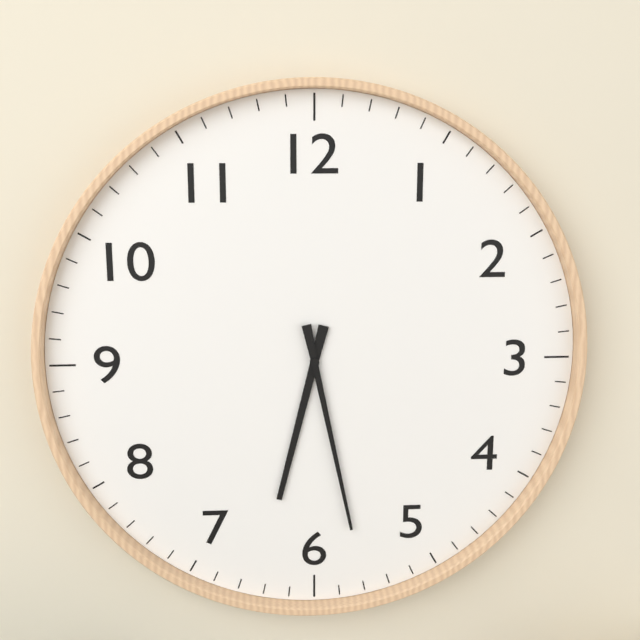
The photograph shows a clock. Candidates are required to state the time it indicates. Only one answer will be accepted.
6:28
